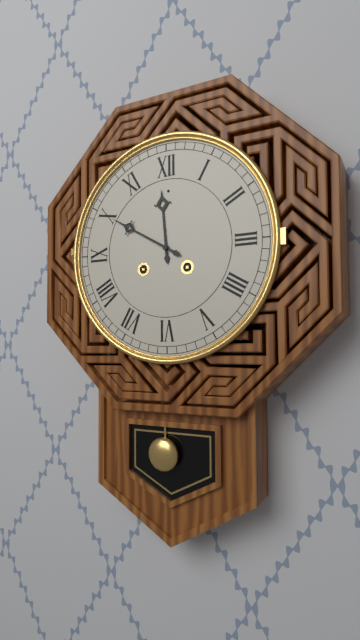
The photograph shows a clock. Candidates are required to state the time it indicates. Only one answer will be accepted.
11:50
